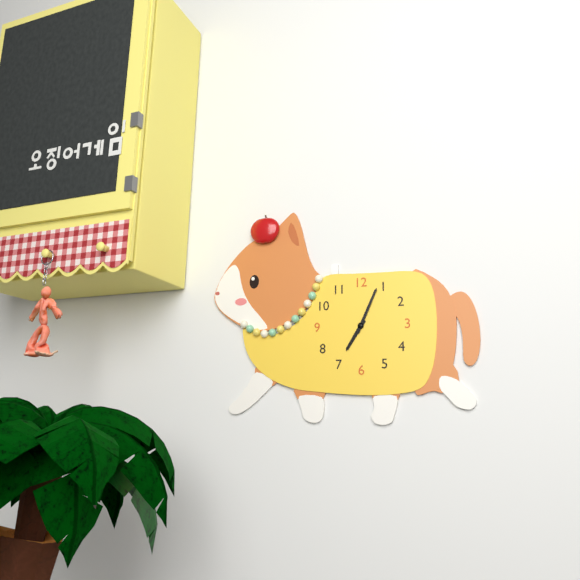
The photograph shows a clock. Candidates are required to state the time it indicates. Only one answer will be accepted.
7:04
